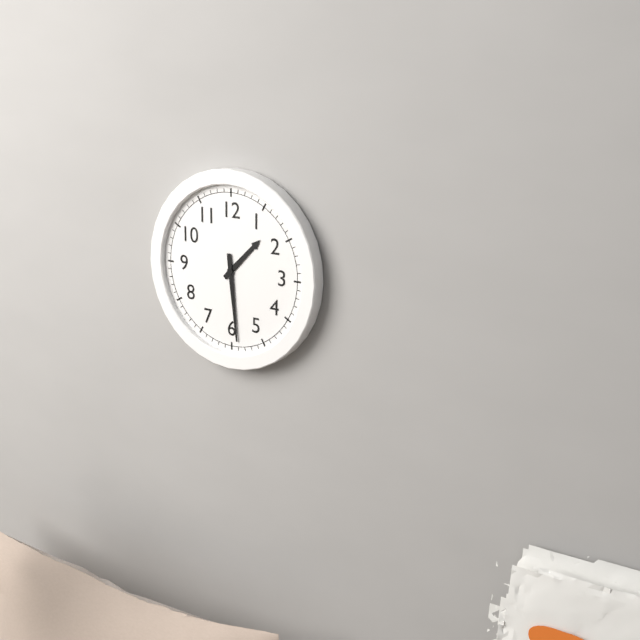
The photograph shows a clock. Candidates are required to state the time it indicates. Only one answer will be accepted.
1:29
